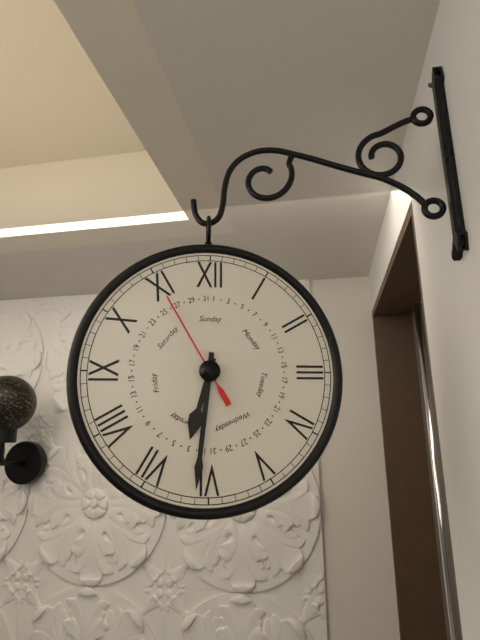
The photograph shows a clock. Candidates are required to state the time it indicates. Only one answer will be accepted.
6:31:55
